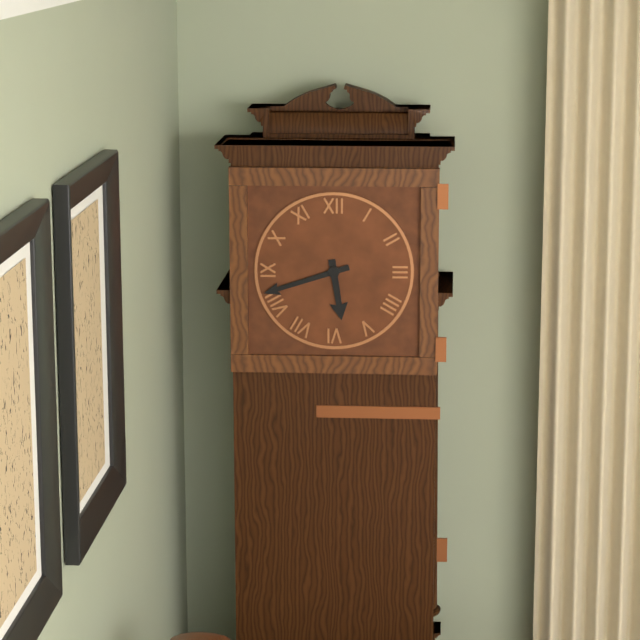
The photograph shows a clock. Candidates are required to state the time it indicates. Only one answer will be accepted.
5:42
